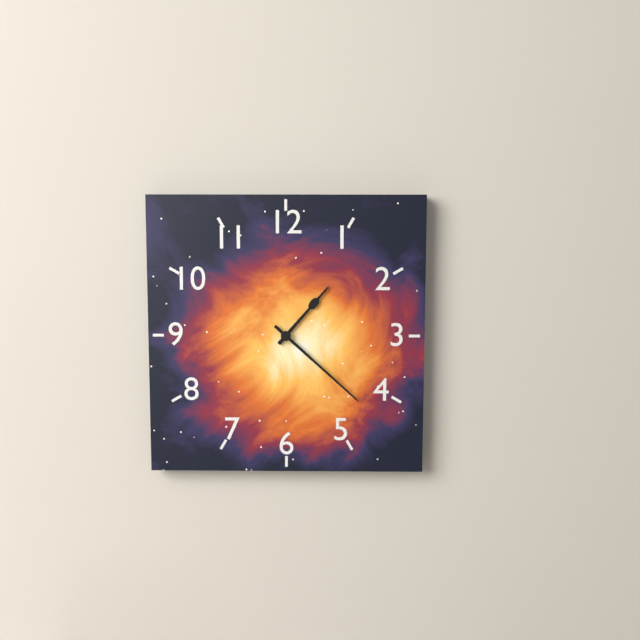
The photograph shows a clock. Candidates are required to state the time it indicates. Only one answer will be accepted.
1:22
